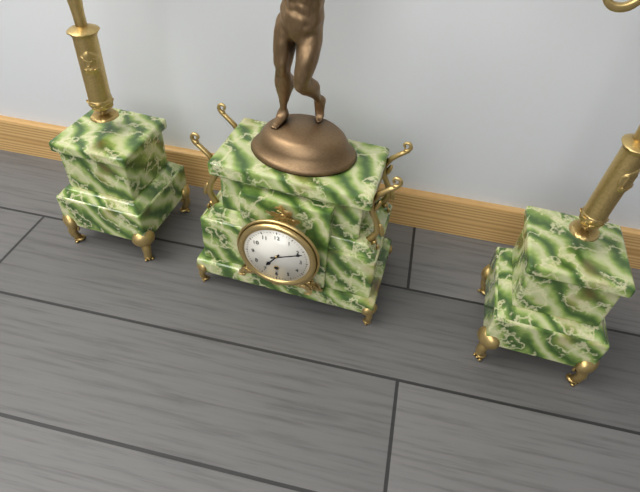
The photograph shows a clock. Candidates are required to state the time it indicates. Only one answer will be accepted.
7:11
